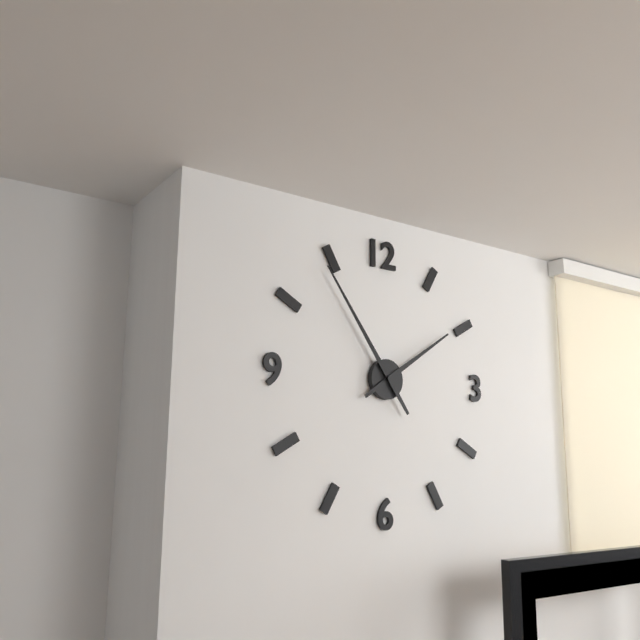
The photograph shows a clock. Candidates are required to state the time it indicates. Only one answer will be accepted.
1:54
